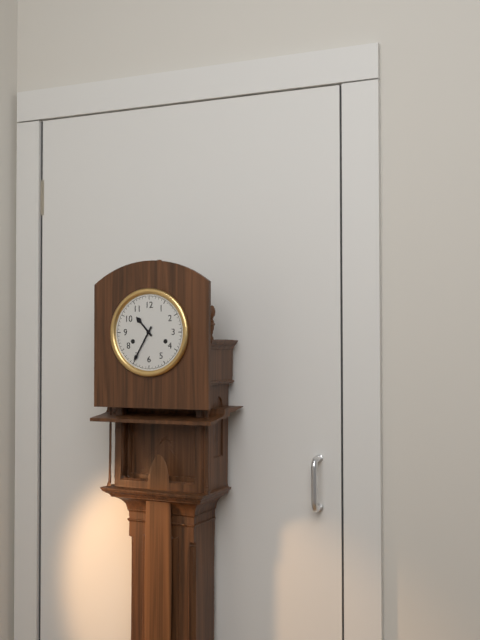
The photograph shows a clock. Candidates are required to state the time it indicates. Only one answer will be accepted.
10:35
